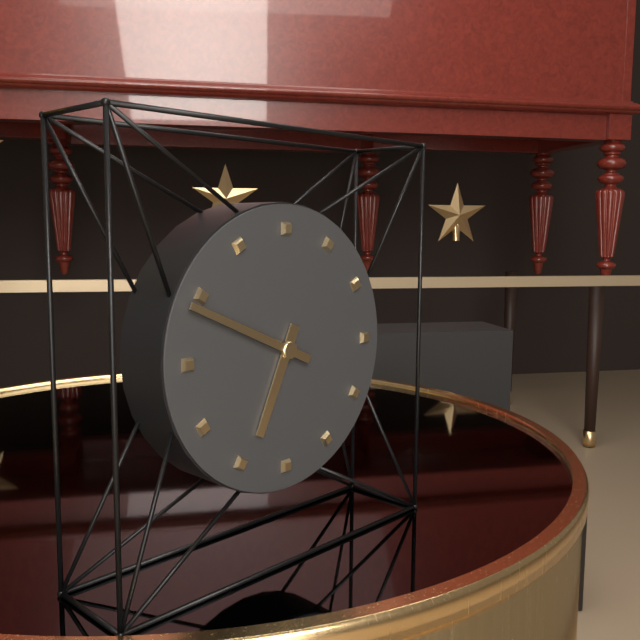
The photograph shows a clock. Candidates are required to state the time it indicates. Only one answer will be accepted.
6:49
